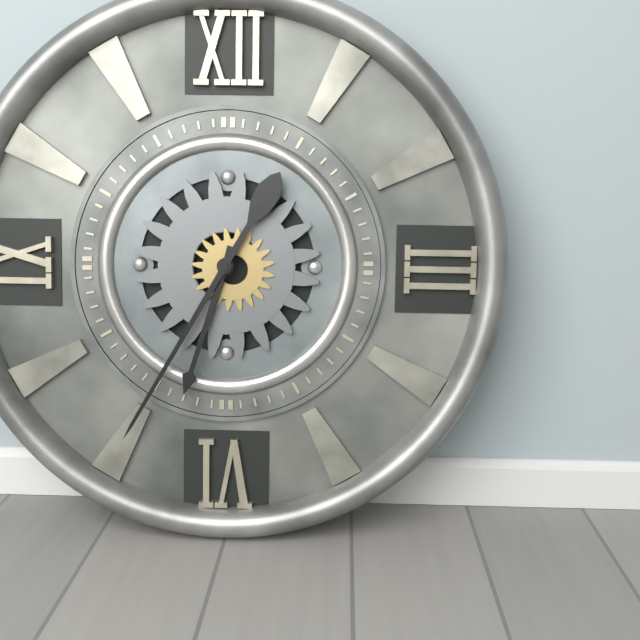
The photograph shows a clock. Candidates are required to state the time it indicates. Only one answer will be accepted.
6:35
